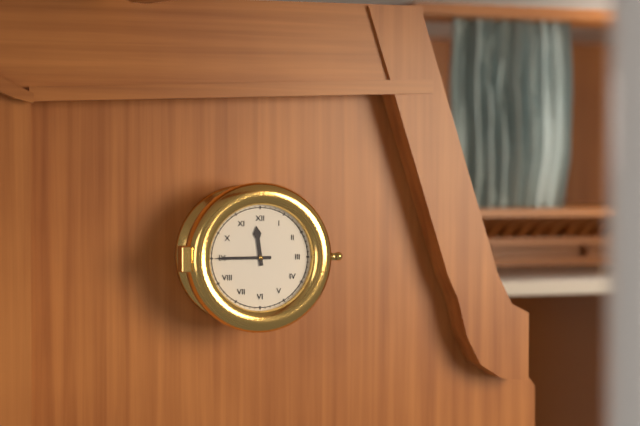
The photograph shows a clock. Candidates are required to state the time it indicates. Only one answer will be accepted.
11:45
